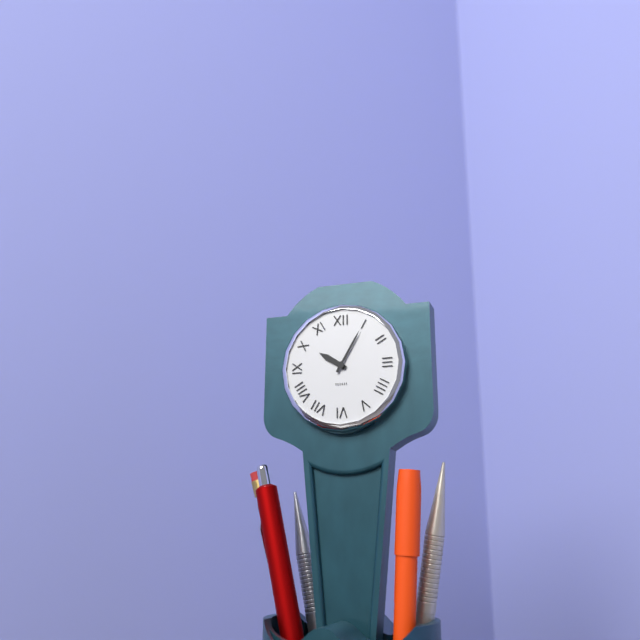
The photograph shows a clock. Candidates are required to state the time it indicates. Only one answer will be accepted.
10:05
